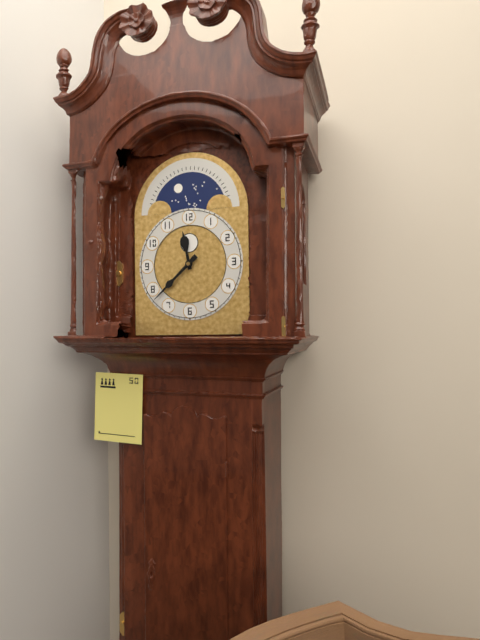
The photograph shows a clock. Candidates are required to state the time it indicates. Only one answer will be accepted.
11:38
